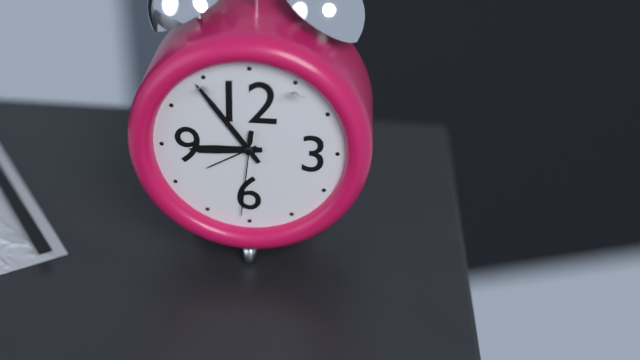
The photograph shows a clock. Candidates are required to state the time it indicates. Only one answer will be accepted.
8:54:31
